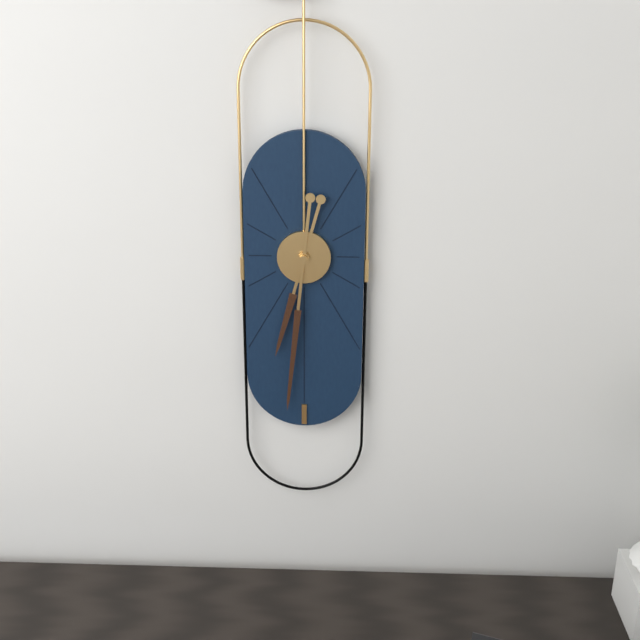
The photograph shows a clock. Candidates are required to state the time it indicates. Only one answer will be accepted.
6:31
